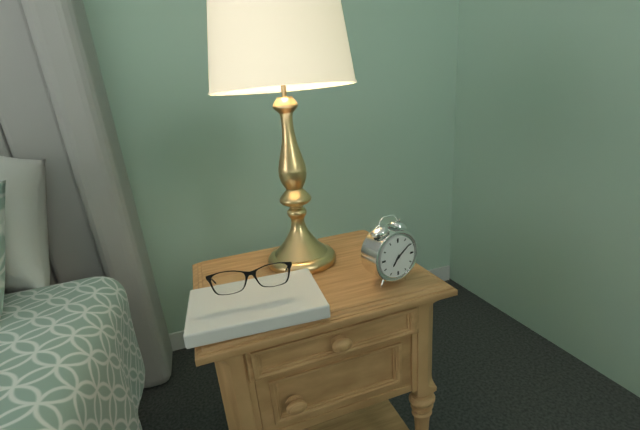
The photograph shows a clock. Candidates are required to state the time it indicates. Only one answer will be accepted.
7:09
